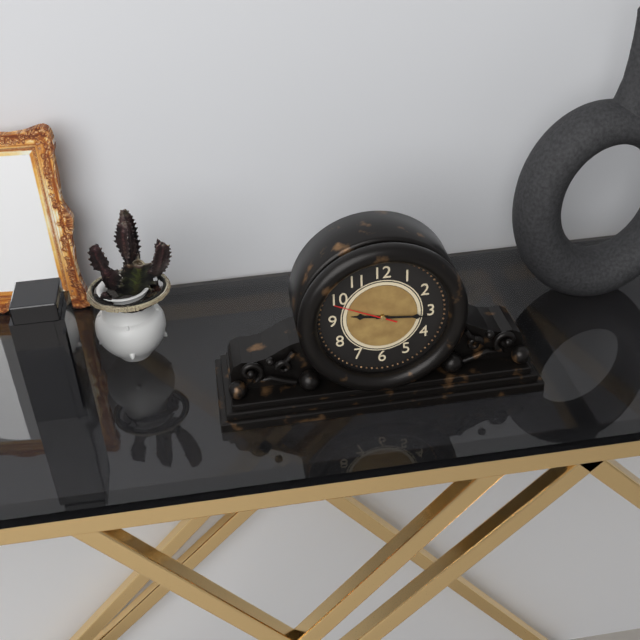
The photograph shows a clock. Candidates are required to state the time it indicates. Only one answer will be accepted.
9:16:49
